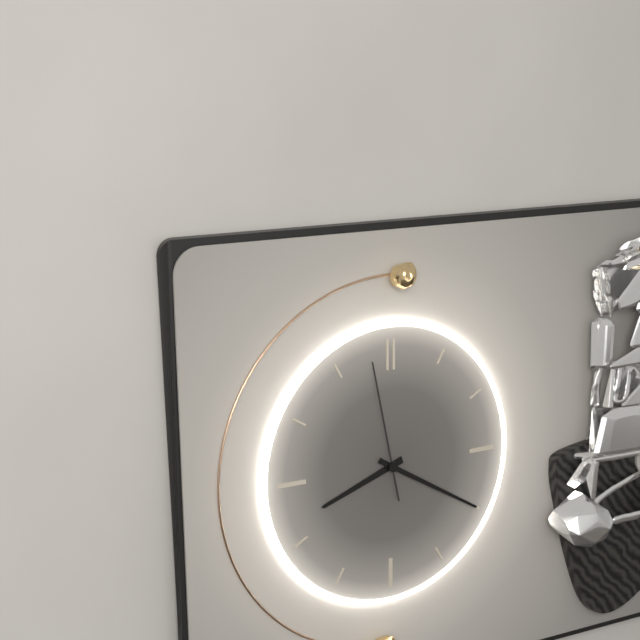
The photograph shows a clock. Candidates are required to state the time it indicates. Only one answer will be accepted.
8:20:58
